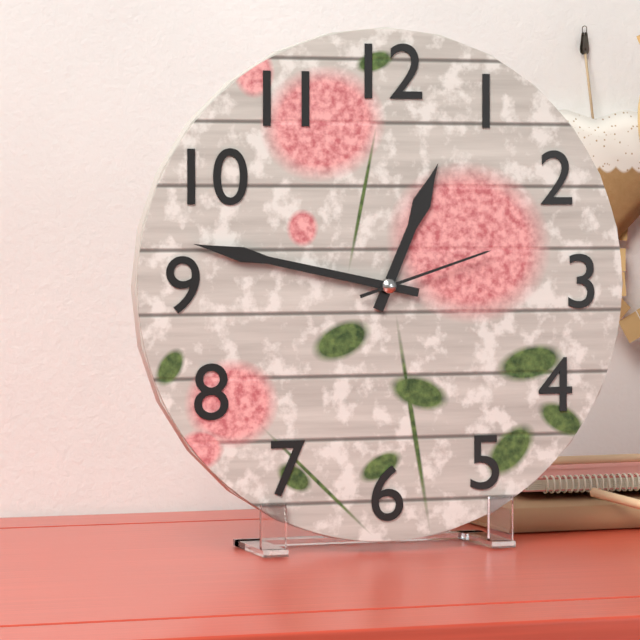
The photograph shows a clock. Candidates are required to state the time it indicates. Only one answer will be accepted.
12:47:12
